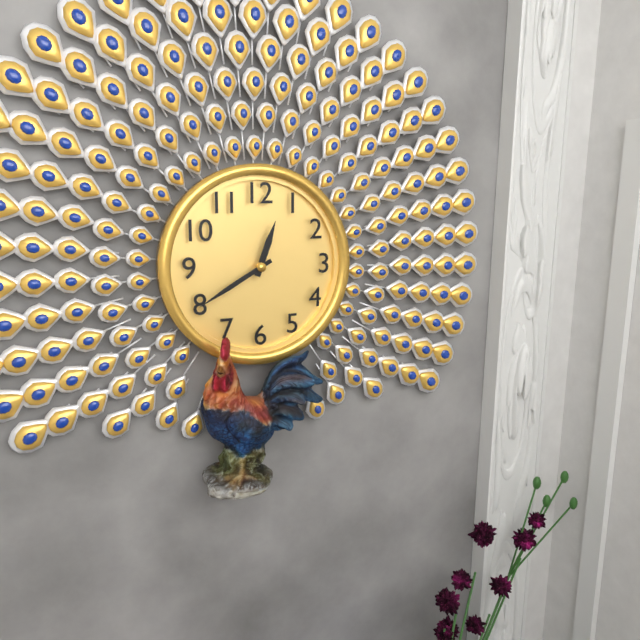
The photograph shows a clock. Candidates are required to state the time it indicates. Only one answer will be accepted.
12:40
